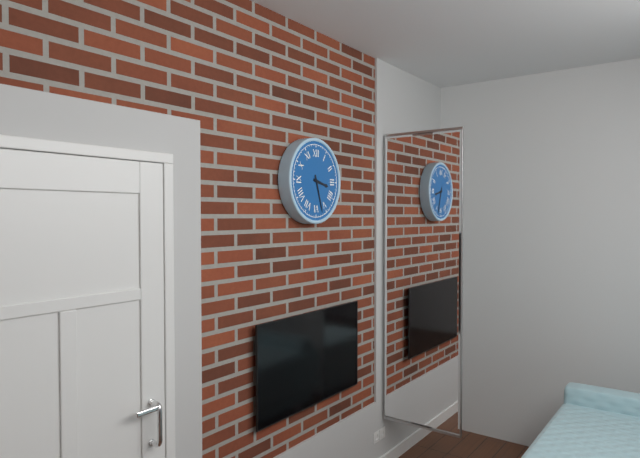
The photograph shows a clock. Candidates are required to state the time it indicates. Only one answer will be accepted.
3:27
